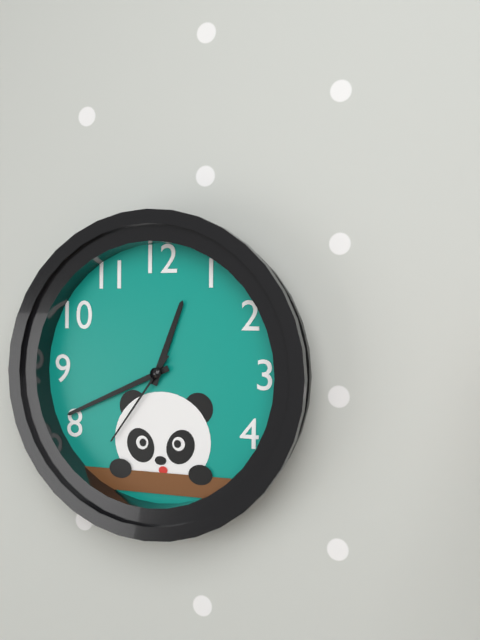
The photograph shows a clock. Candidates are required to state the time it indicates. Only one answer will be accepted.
12:41:36
